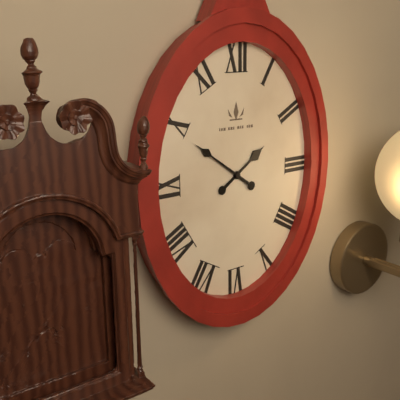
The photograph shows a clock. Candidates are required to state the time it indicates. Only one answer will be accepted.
1:51
